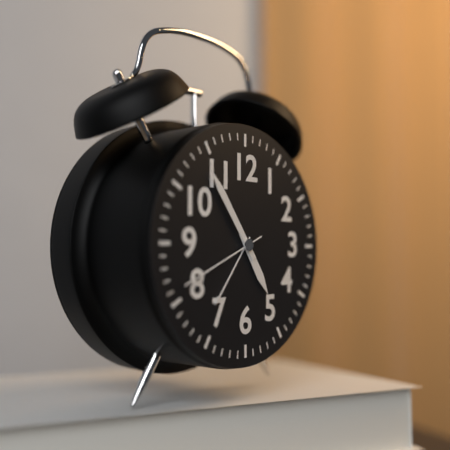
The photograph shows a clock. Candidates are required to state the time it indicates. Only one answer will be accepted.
4:54:41
